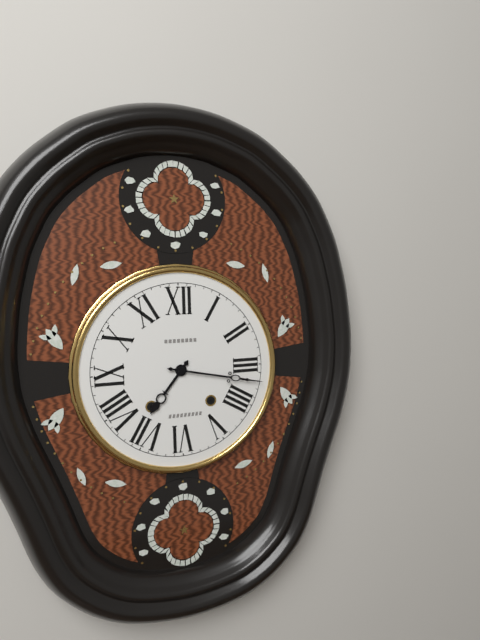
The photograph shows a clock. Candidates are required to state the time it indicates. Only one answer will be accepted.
7:17
